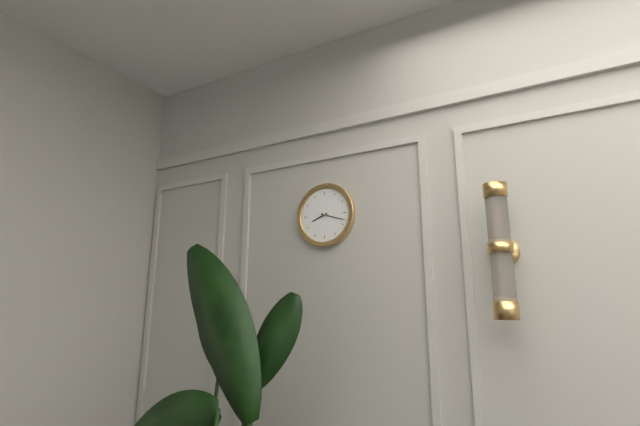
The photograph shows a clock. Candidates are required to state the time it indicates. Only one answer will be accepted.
8:18
